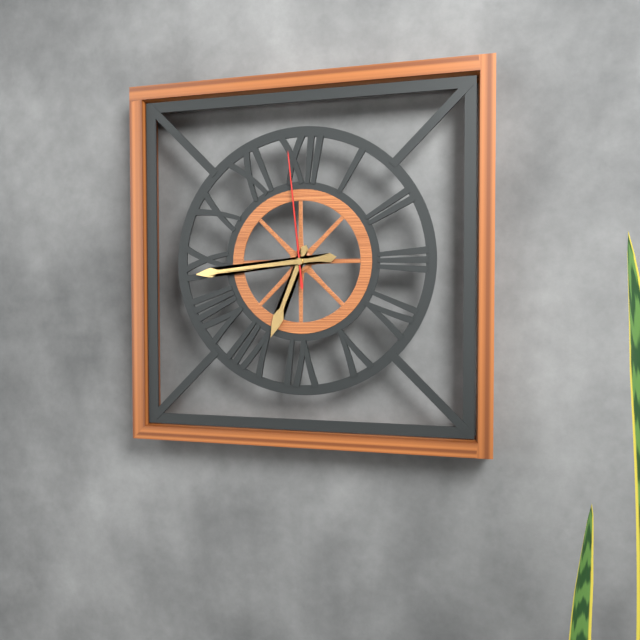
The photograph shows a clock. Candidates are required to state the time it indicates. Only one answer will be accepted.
6:44:59
